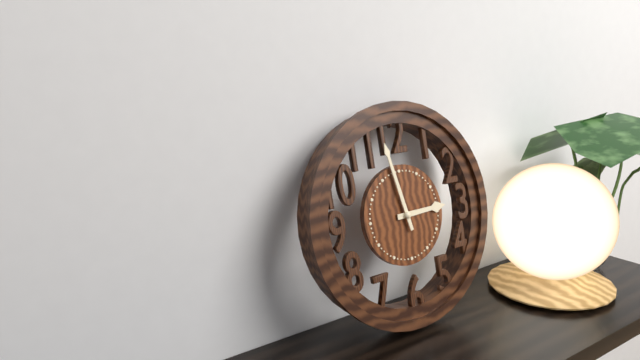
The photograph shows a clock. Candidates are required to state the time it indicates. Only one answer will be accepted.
2:58
